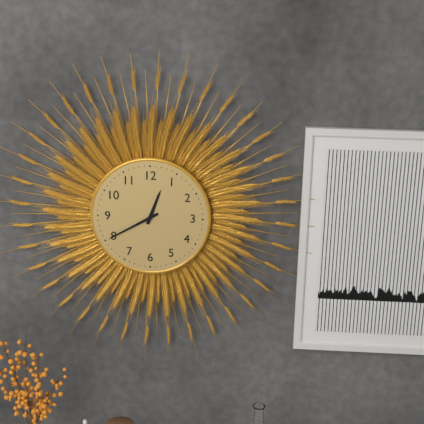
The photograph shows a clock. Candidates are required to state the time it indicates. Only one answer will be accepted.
12:40
